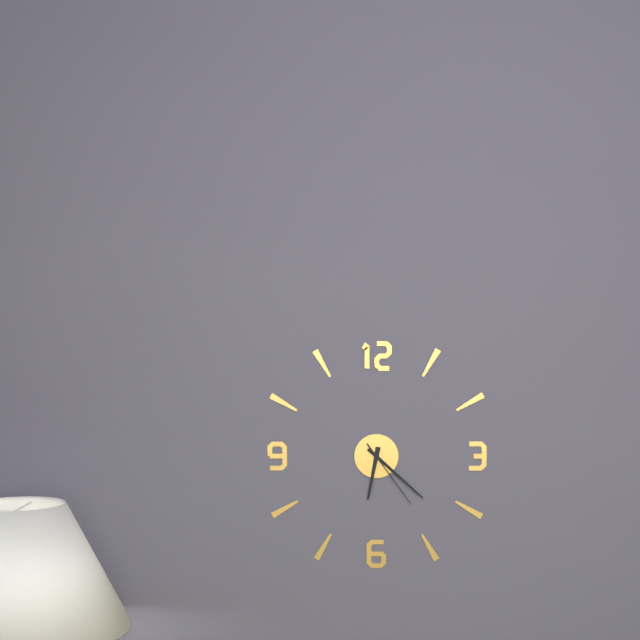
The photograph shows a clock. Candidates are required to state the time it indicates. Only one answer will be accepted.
6:22:24
